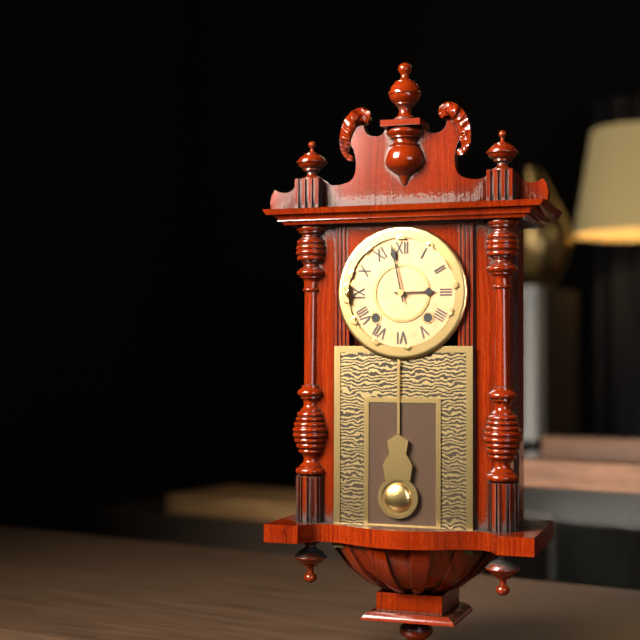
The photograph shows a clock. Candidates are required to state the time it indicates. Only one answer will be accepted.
2:58
